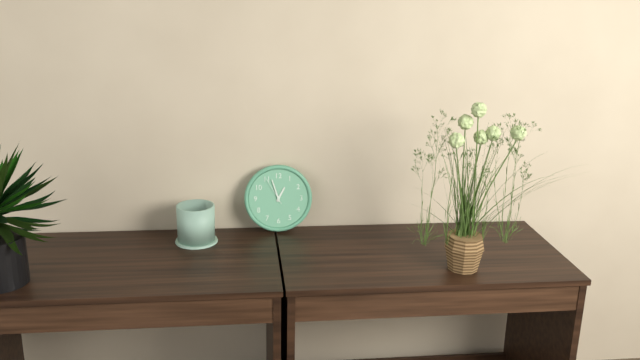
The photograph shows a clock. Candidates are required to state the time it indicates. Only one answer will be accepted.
12:57
